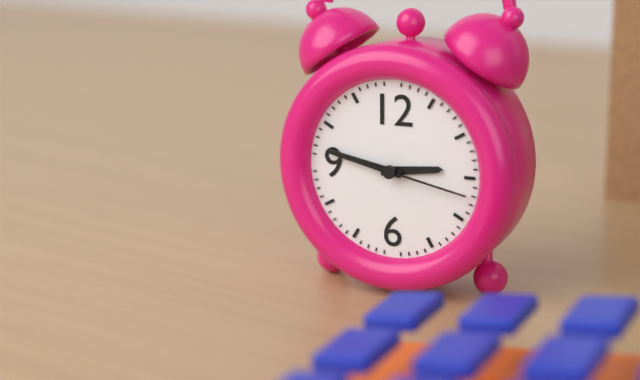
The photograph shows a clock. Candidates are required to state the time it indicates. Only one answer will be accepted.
2:47:17
